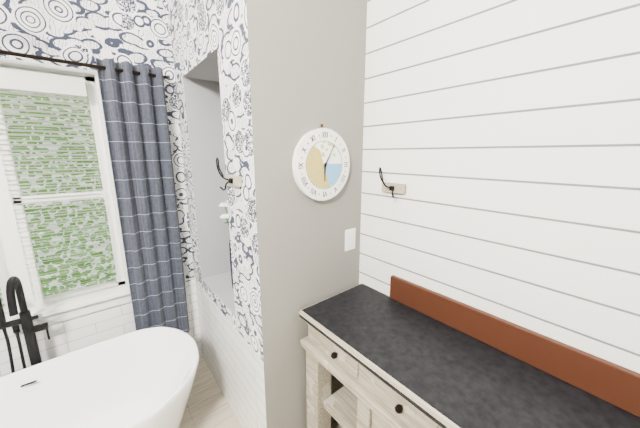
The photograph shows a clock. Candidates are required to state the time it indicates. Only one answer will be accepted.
6:05
